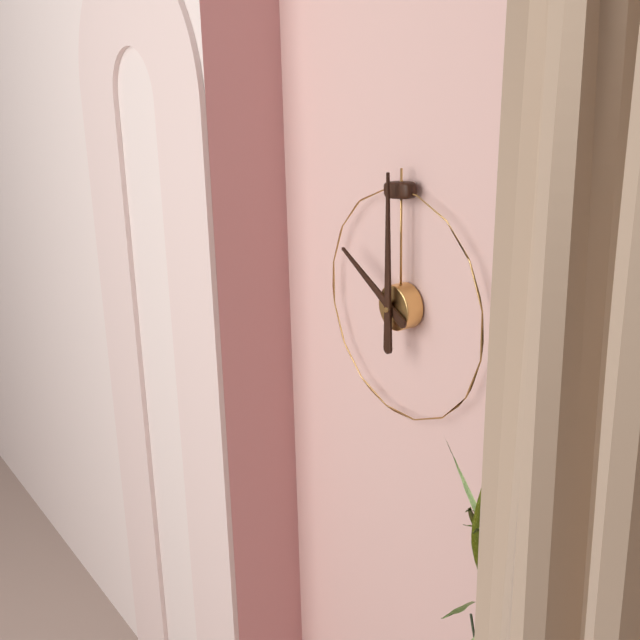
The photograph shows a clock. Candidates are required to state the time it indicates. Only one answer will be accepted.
10:00
